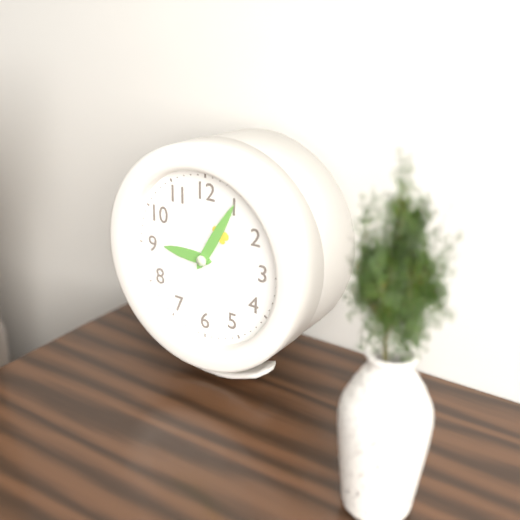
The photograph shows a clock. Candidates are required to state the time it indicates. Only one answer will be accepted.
9:05
